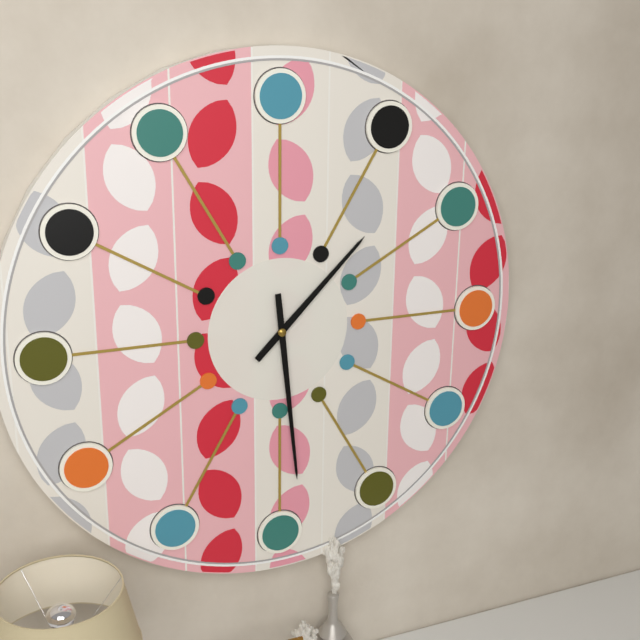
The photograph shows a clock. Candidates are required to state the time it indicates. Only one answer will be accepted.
1:29
